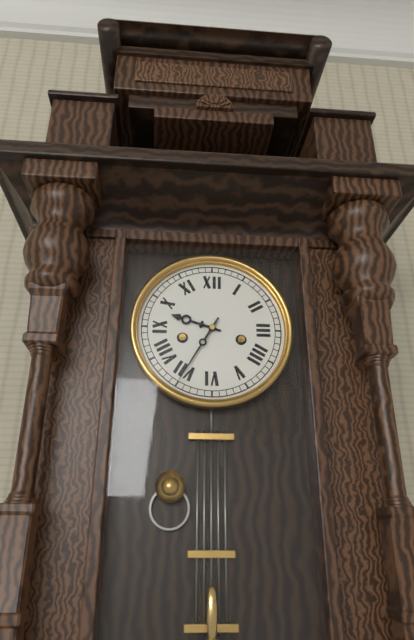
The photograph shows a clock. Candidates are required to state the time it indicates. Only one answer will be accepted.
9:35
